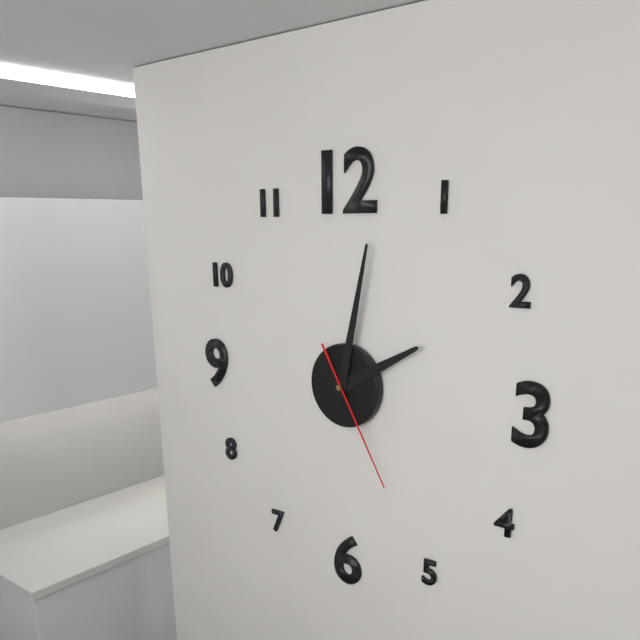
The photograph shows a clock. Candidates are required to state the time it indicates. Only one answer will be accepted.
2:02:25
